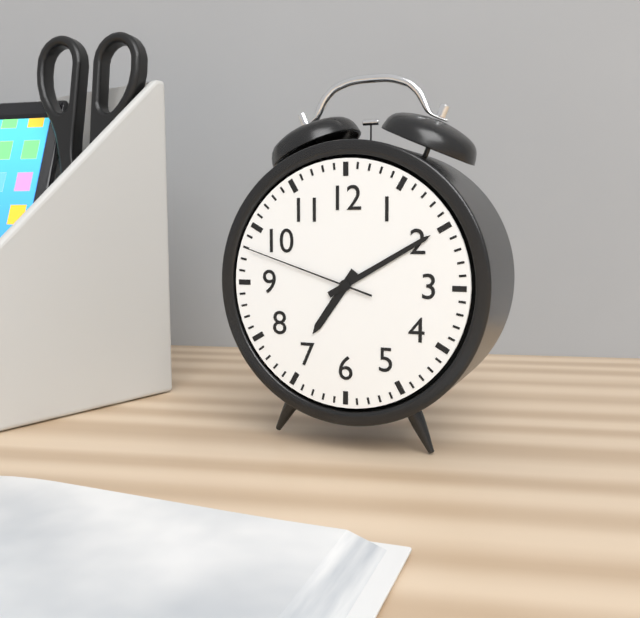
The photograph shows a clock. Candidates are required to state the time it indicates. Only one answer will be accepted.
7:10:48
